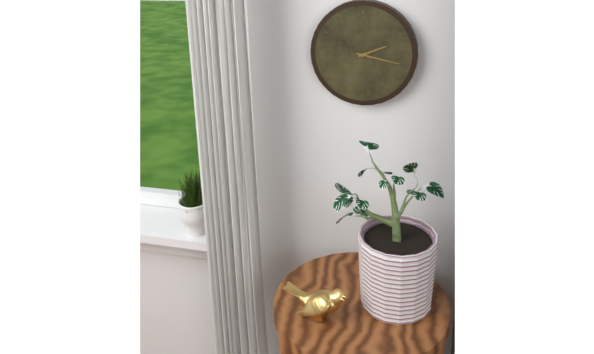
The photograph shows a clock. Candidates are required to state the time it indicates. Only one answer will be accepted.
2:17
